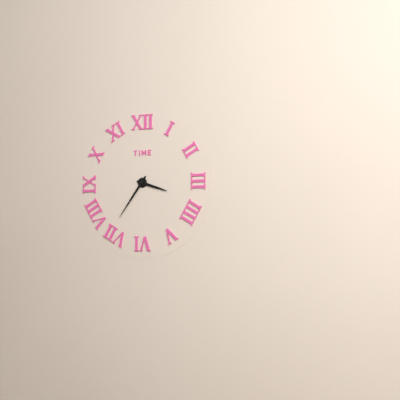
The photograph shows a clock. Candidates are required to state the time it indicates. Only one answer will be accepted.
3:36
